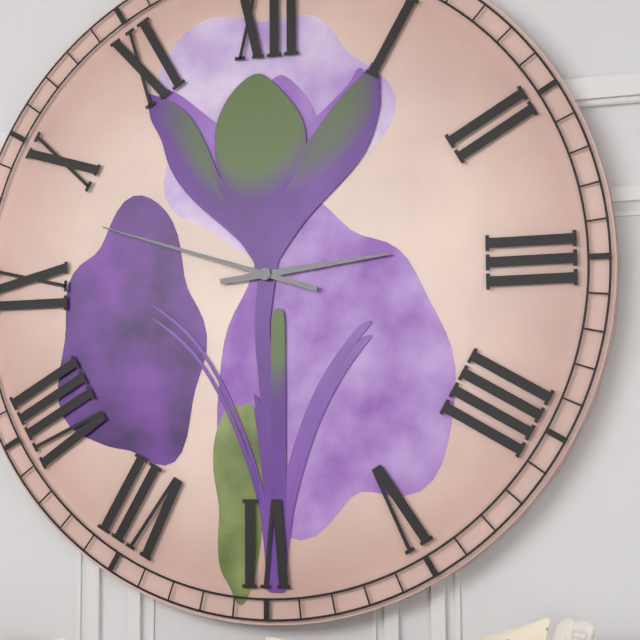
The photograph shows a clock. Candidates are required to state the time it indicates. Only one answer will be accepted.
2:48
